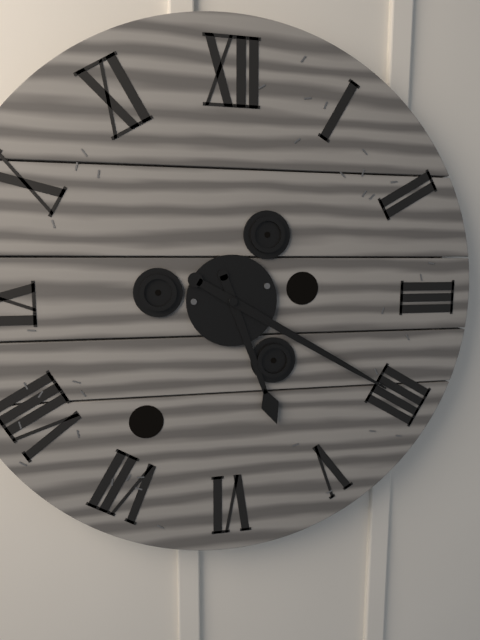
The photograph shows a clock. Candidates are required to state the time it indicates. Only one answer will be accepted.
5:20
